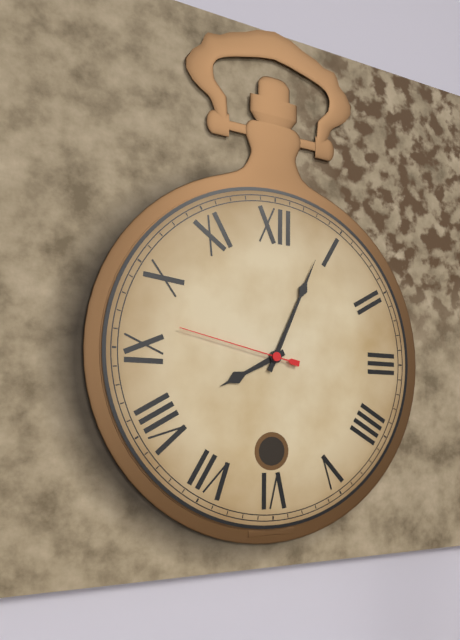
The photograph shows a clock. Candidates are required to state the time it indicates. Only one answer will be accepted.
8:04:47
